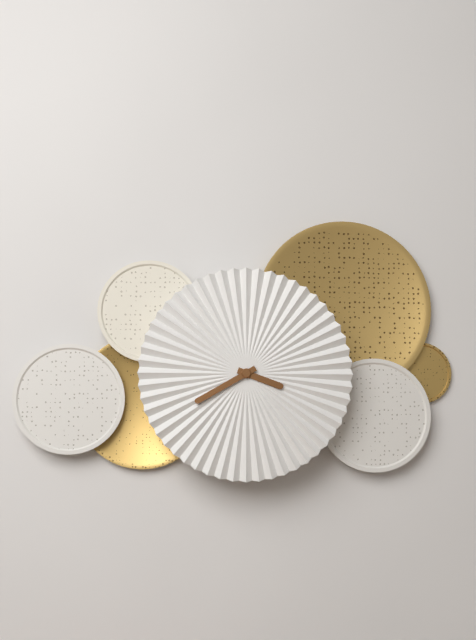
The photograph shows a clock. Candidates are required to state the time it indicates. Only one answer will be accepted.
3:40
